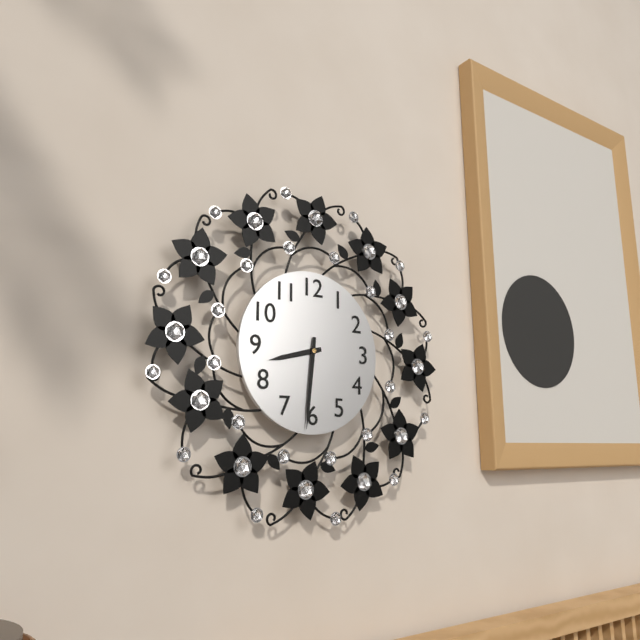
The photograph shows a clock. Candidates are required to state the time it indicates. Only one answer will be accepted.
8:31
